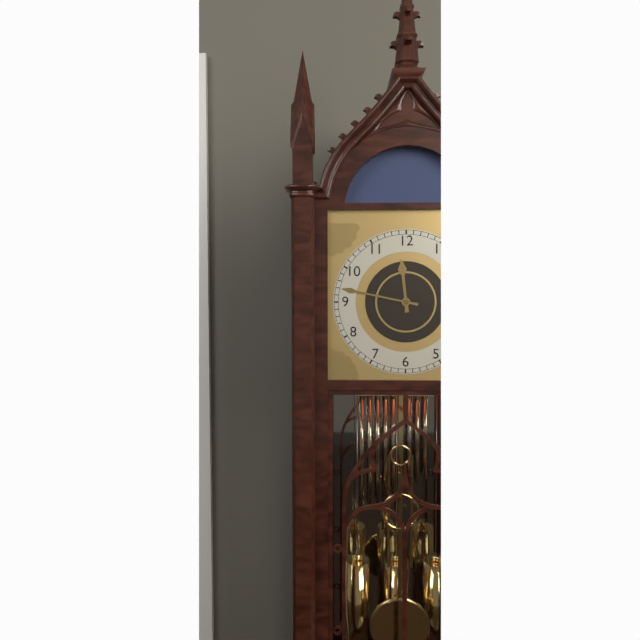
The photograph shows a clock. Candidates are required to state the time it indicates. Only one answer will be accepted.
11:47
